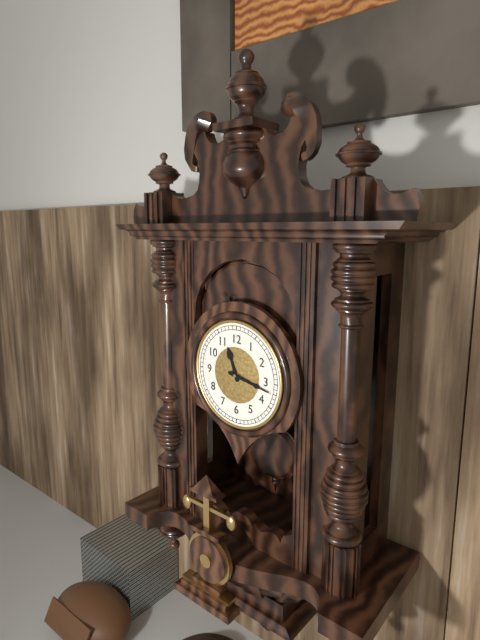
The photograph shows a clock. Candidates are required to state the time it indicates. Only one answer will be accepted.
11:17
